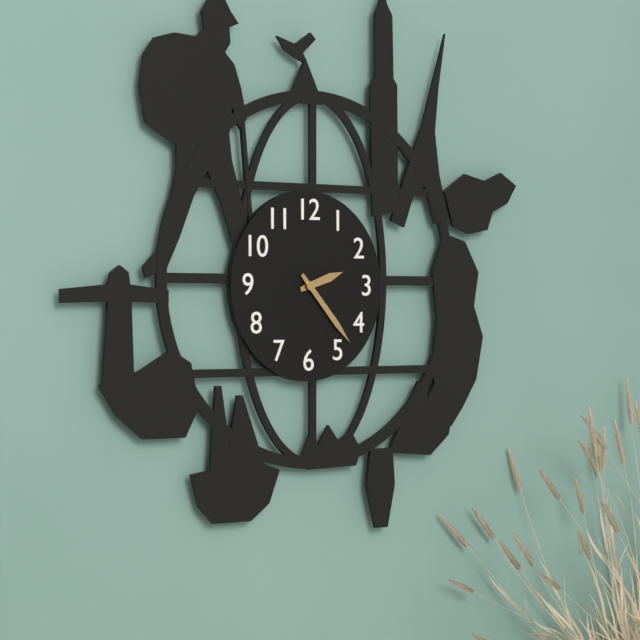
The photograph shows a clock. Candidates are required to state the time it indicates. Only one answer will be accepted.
2:23
